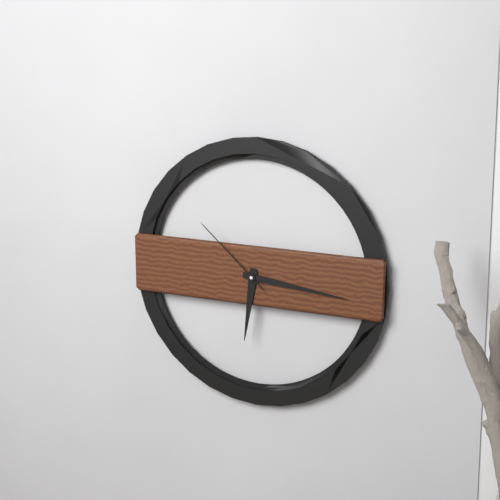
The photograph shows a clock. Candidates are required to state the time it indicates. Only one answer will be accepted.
6:16:52
